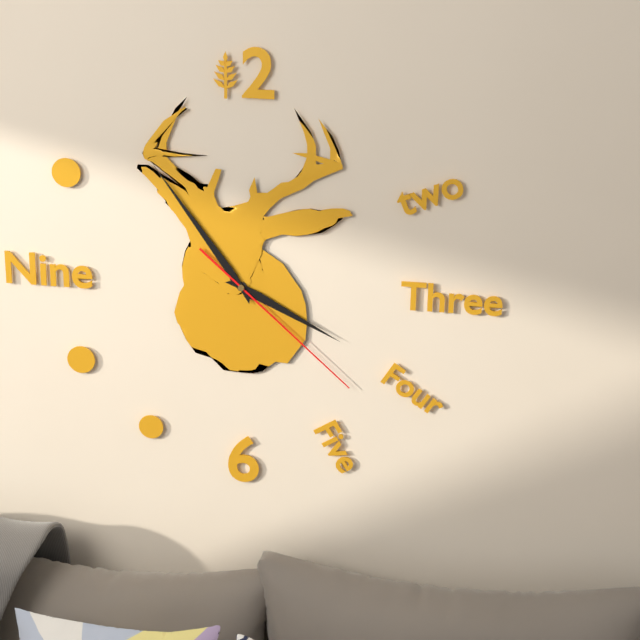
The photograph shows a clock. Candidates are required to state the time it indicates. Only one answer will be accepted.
3:54:22
